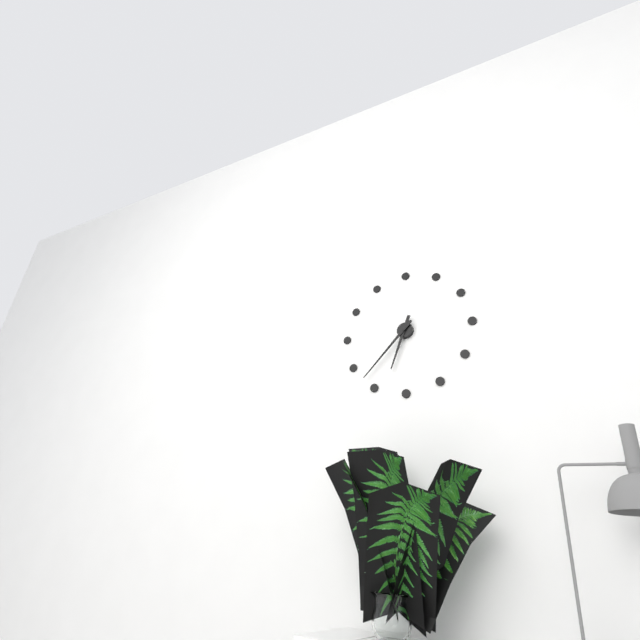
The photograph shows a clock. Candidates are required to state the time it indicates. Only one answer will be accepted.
6:37
